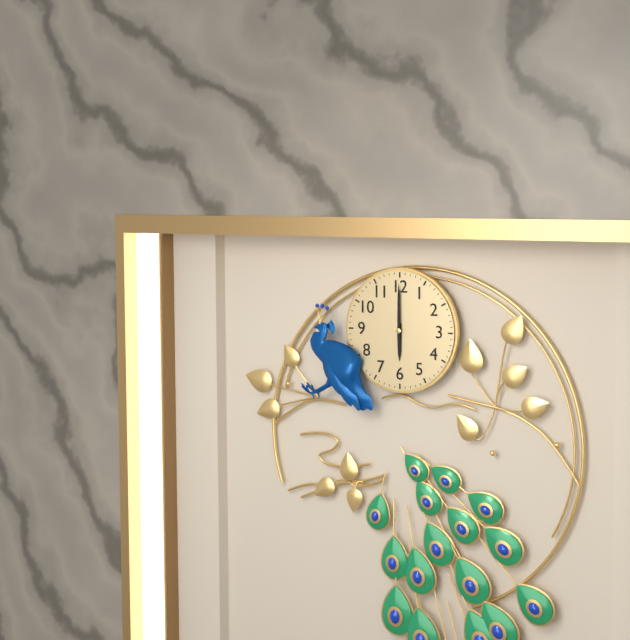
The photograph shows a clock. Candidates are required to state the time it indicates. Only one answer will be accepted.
6:00
